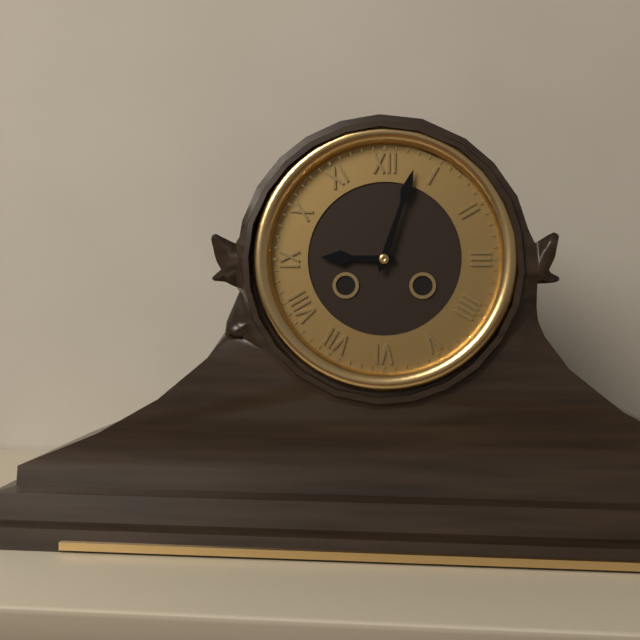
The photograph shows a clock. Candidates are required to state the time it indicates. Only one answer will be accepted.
9:03
